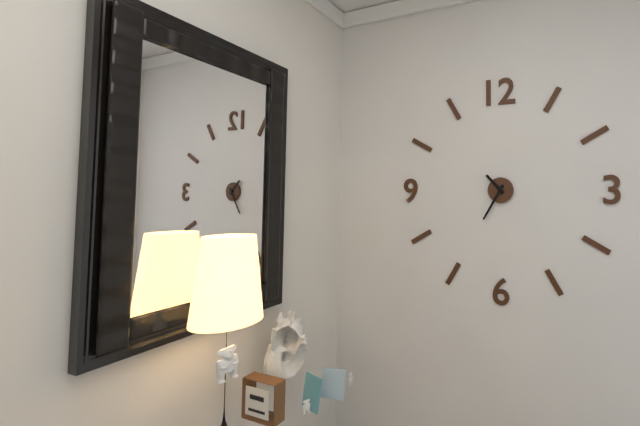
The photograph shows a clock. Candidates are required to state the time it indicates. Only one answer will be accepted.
10:35
